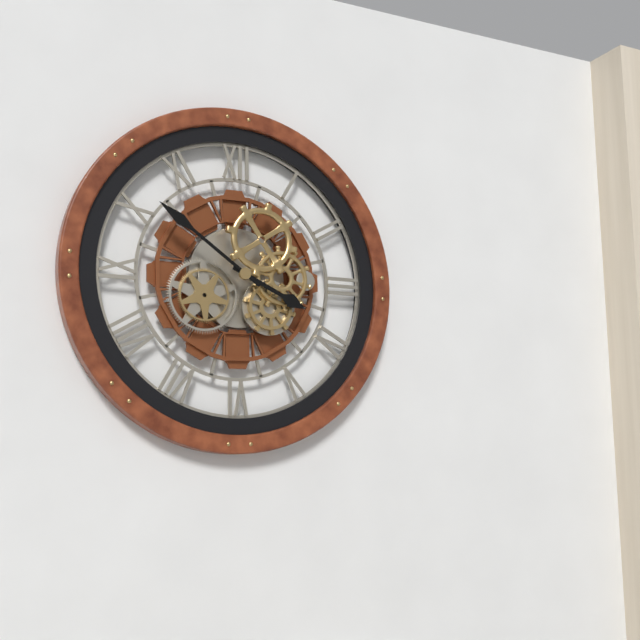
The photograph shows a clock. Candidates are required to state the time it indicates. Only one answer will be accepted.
3:51
